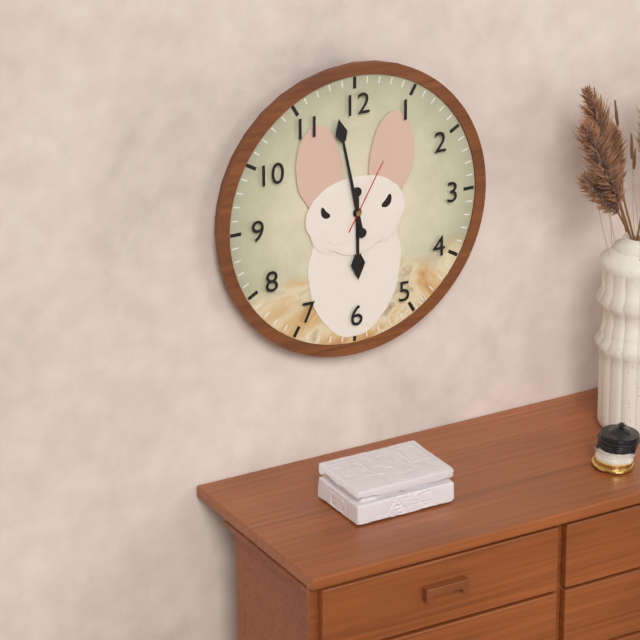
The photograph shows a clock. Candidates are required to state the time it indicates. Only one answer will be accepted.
5:58:05
